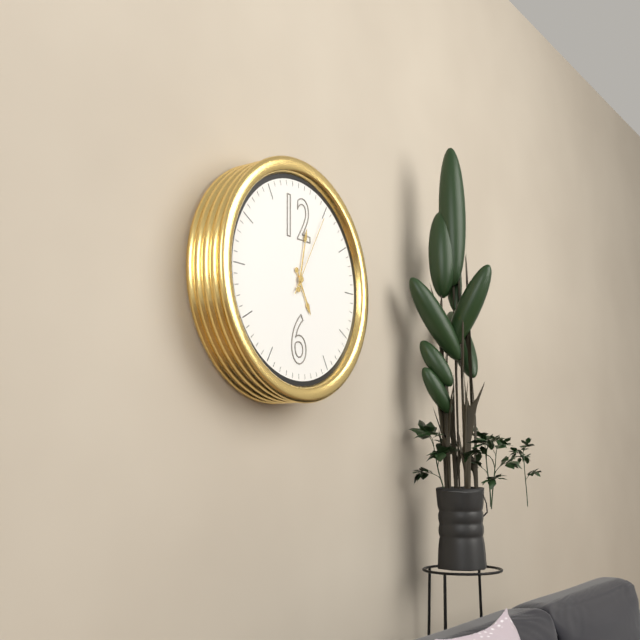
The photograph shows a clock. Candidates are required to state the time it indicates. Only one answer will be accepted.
5:02:05
